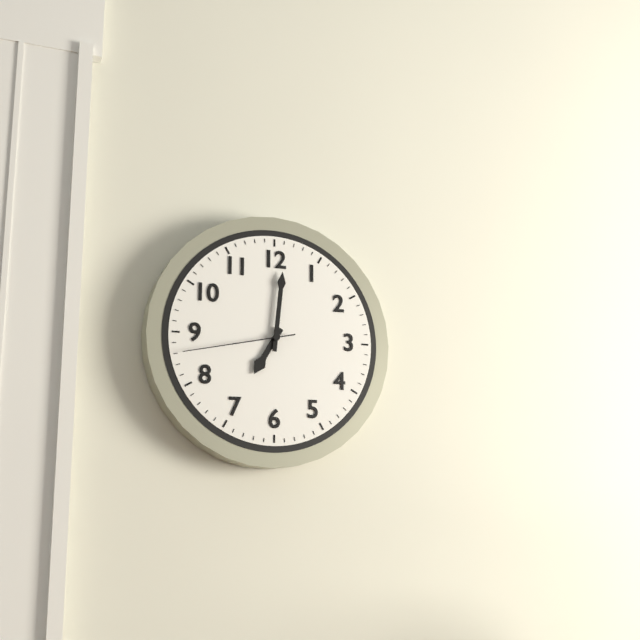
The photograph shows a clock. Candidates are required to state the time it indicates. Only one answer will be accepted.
7:01:43
